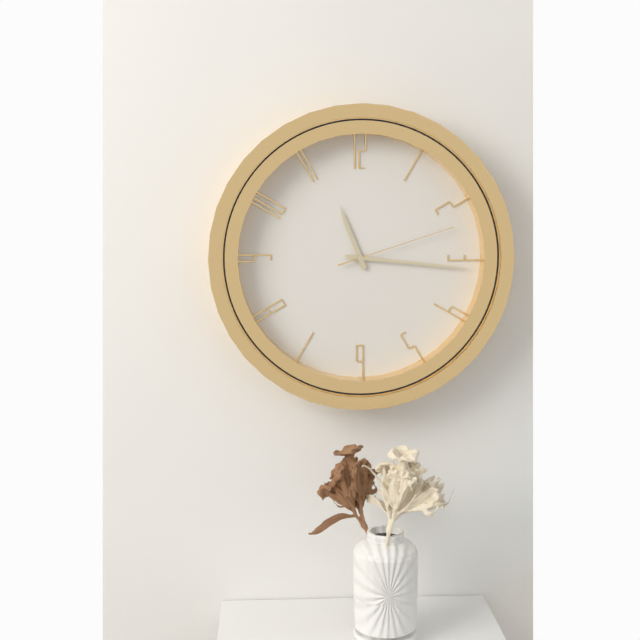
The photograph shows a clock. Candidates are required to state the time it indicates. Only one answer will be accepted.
11:16:12
